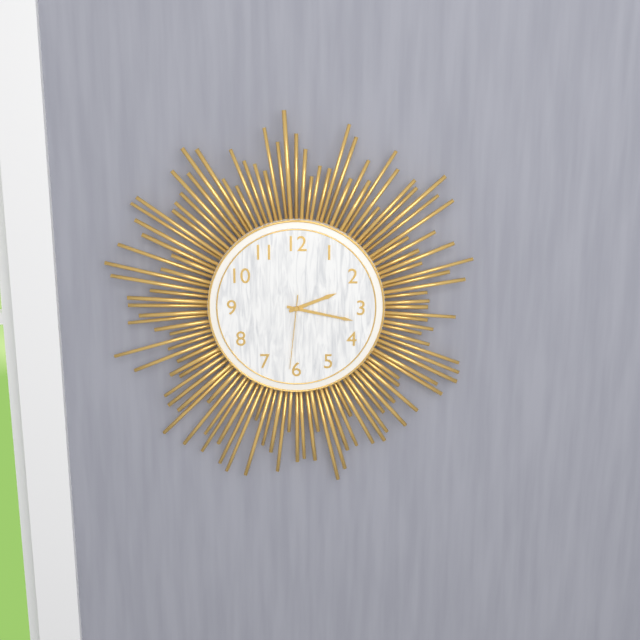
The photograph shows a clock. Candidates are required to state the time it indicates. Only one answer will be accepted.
2:17:31
